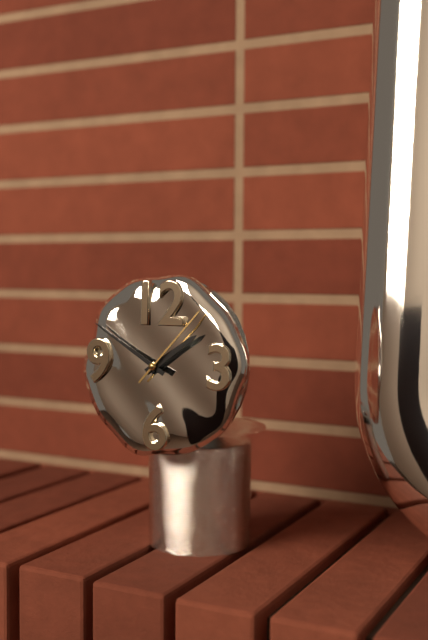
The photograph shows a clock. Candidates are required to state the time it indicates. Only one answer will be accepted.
1:50:07
